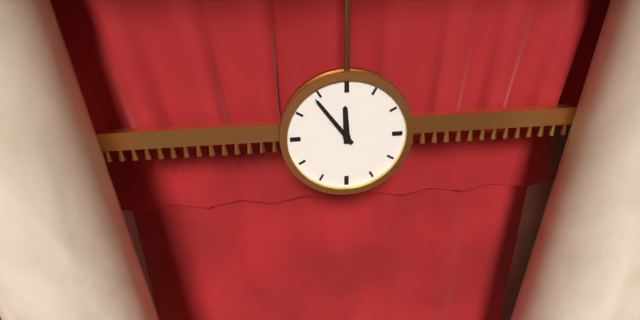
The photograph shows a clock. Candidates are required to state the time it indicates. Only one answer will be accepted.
11:54
